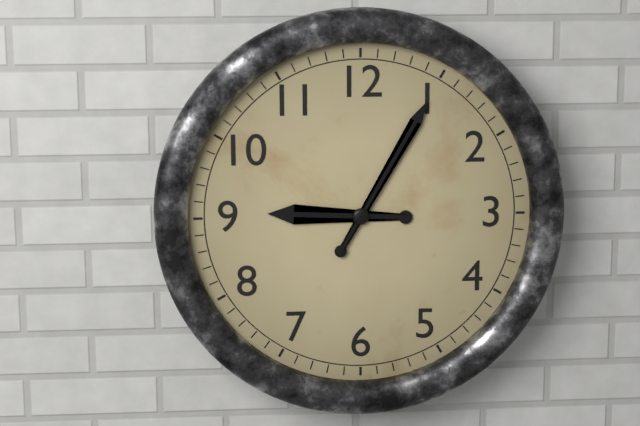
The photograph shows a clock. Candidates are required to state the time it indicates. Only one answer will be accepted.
9:05
